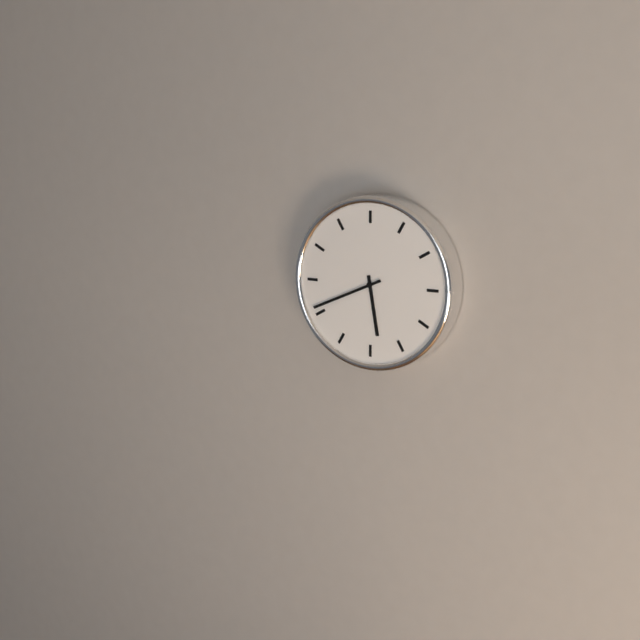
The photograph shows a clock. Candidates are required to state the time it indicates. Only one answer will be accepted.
5:41
